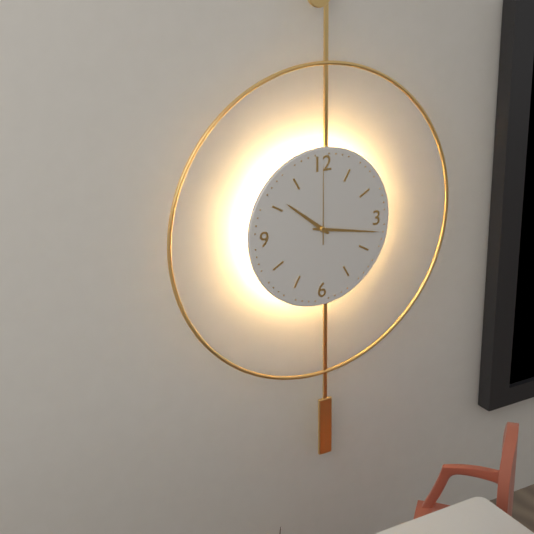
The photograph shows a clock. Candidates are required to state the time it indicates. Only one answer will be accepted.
10:17:00
